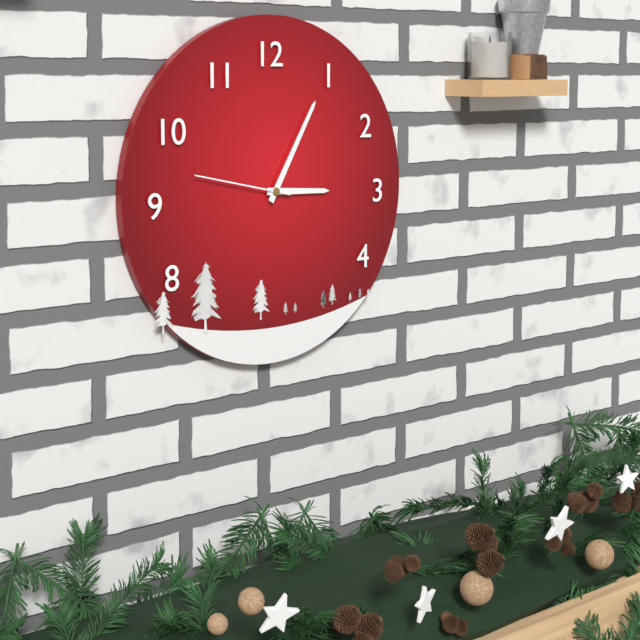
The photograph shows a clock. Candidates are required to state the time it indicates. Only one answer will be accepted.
3:05:47
